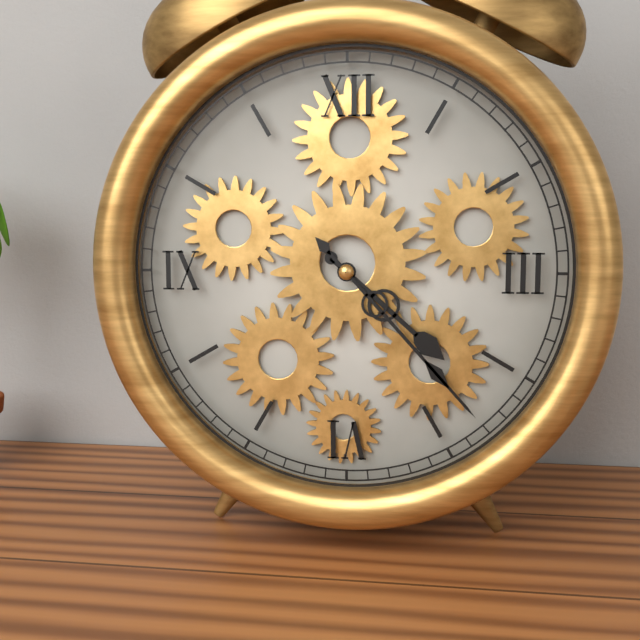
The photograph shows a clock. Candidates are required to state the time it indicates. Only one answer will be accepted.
4:23
